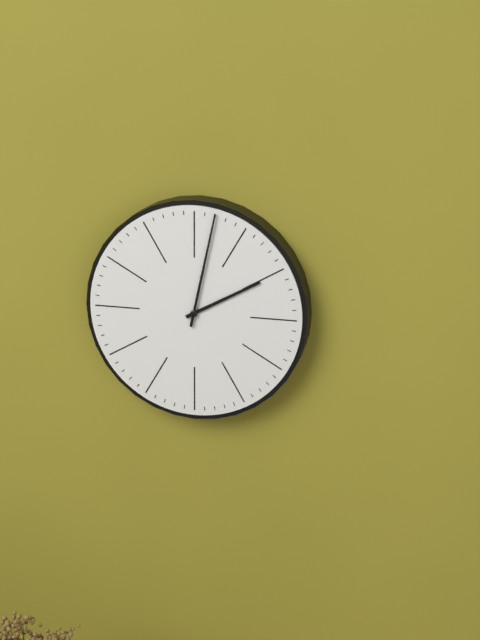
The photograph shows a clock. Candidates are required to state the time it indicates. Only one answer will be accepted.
2:02
